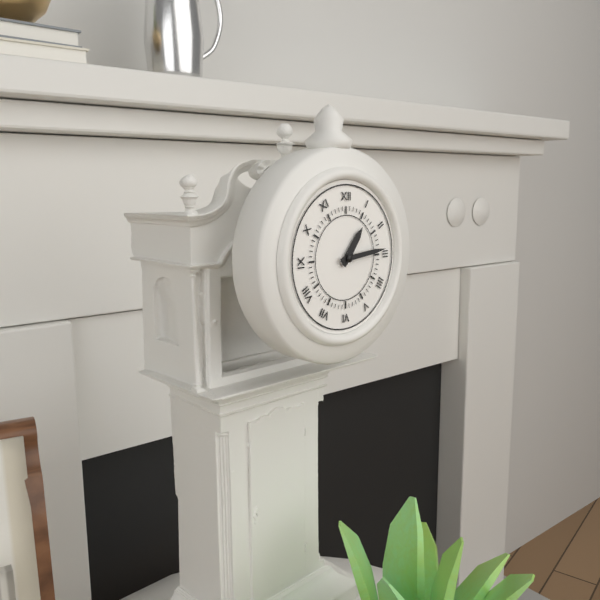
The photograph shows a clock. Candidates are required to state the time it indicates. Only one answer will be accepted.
1:14
